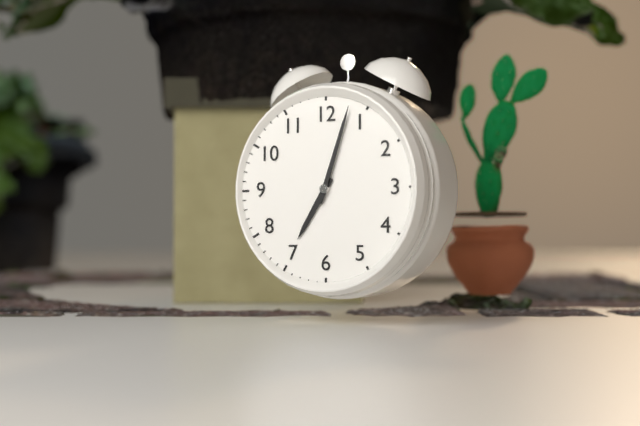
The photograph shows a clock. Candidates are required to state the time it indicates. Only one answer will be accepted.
7:03
